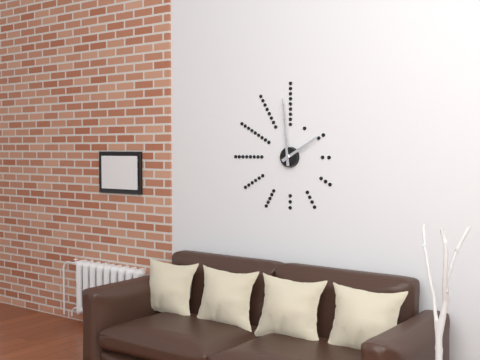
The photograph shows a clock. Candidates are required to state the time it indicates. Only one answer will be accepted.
1:59
